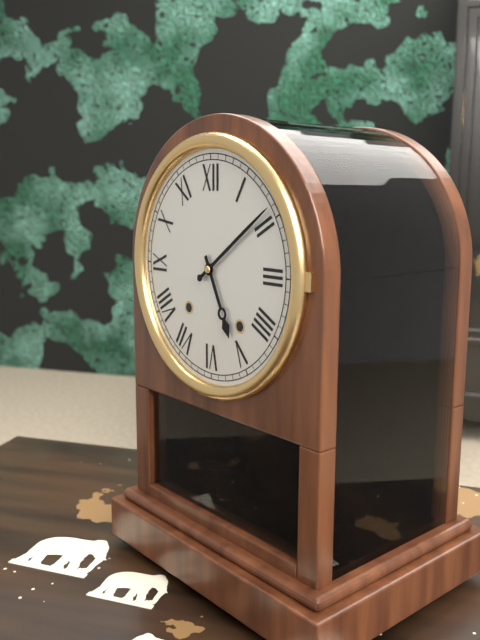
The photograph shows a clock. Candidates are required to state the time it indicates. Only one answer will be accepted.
5:09
